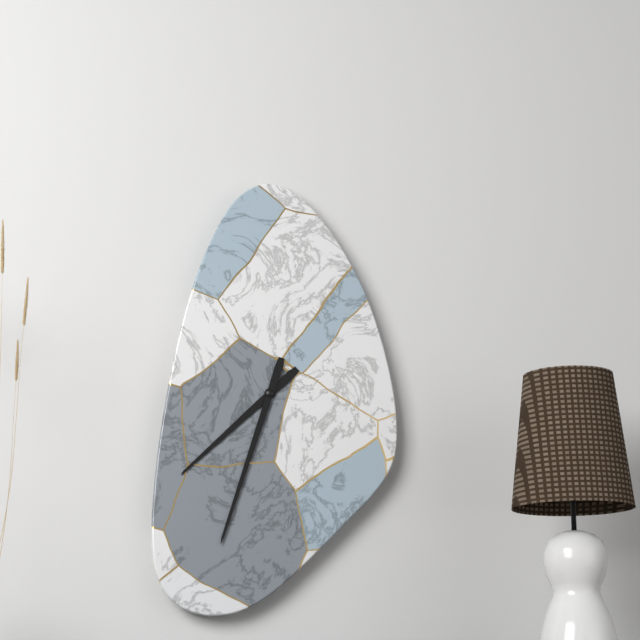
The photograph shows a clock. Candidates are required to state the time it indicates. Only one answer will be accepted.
7:33
